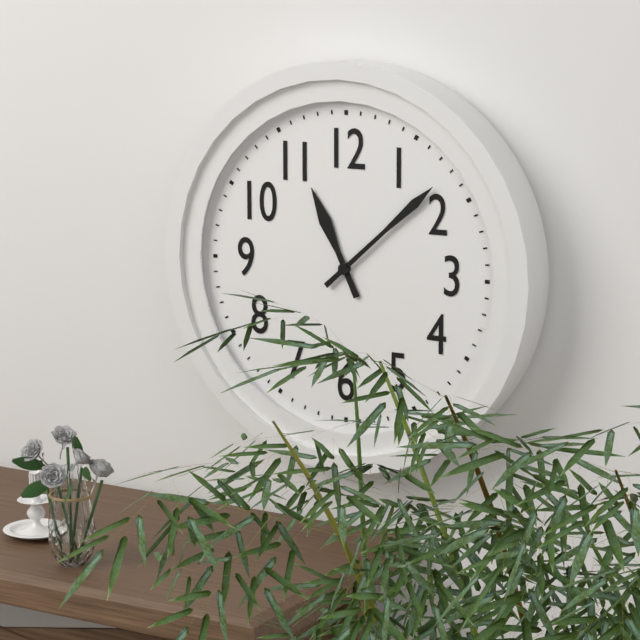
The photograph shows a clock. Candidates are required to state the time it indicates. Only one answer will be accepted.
11:08
